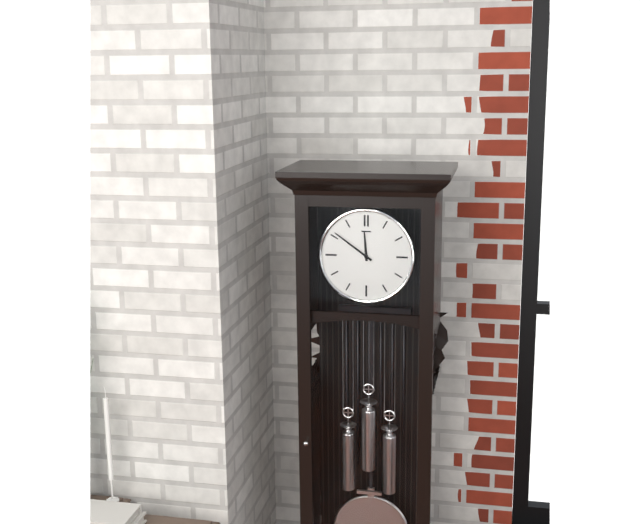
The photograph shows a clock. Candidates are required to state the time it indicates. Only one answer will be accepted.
11:51
